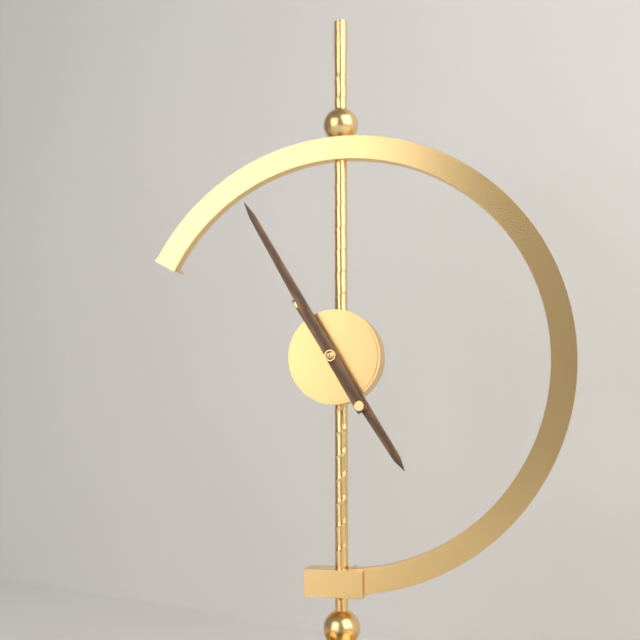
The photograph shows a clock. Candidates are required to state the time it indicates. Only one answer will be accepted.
4:55
